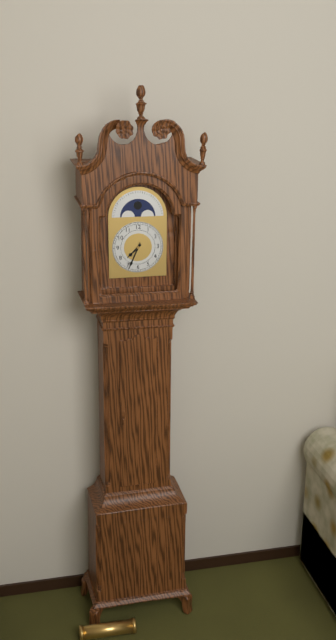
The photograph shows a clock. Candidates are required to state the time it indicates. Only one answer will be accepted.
7:34
